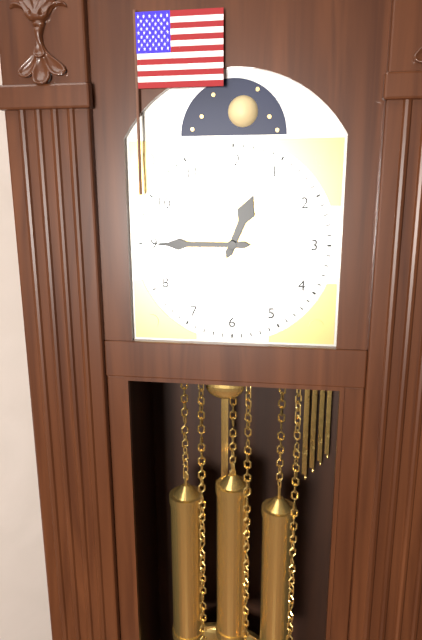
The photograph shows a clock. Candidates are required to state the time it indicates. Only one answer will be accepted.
12:45
